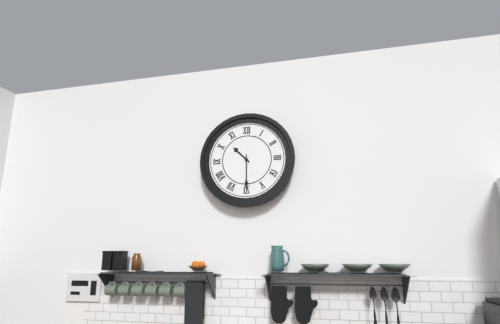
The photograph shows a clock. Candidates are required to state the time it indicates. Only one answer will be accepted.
10:30
